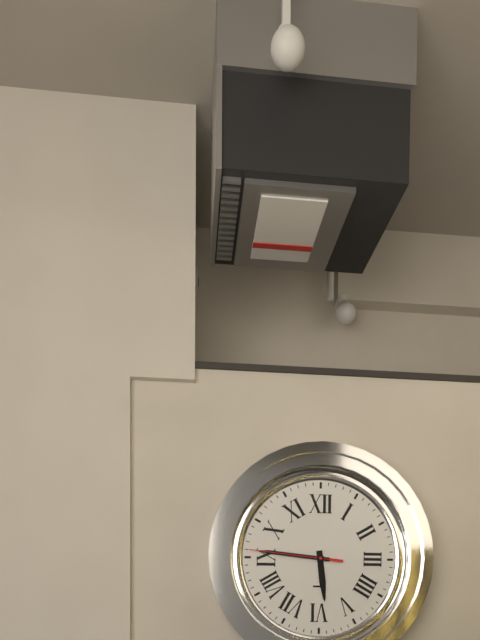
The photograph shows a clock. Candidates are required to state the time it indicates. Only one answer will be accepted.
5:46:46
